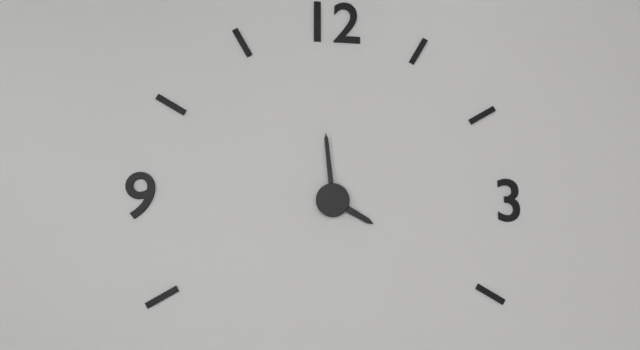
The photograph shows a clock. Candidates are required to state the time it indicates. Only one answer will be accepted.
3:59
